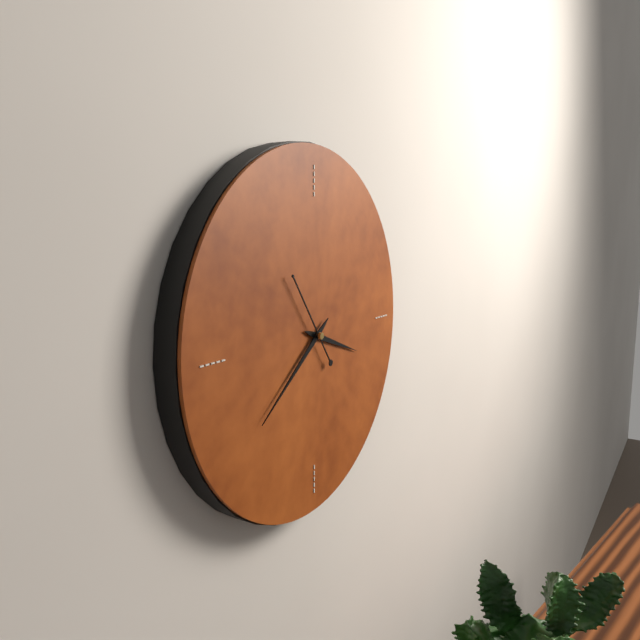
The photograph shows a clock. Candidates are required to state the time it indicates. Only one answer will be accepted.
3:39:54
